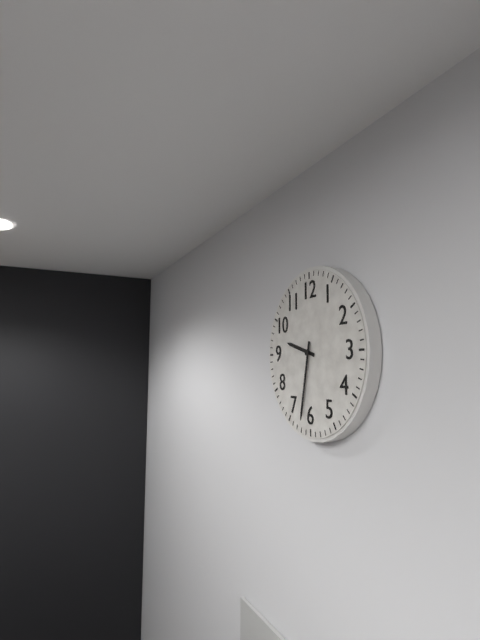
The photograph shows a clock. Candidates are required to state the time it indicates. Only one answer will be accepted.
9:32
